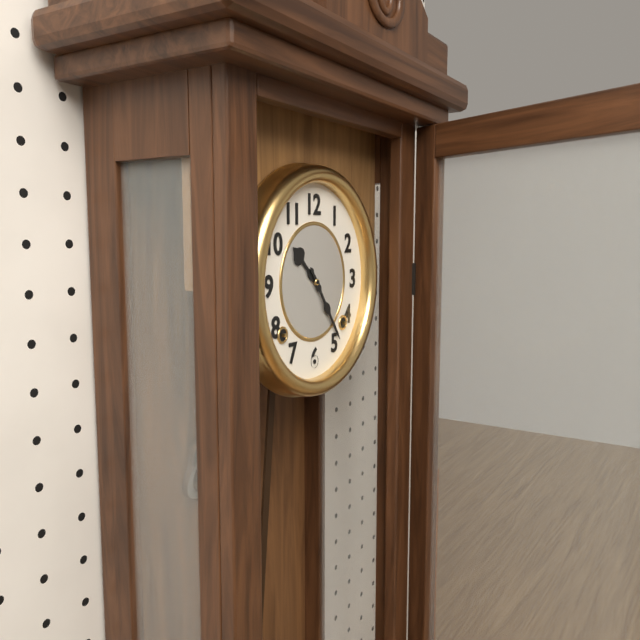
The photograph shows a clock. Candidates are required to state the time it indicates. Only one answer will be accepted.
10:24
